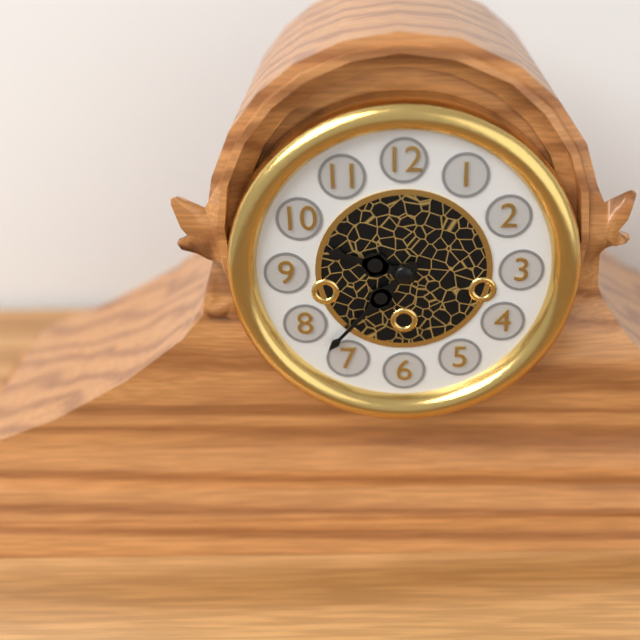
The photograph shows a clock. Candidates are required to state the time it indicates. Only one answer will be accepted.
9:37
